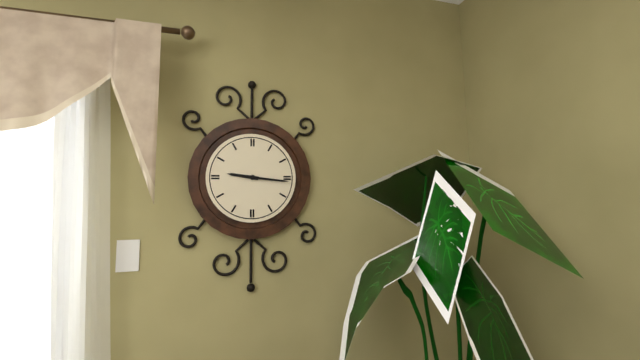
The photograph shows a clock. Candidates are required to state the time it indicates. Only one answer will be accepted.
9:16
